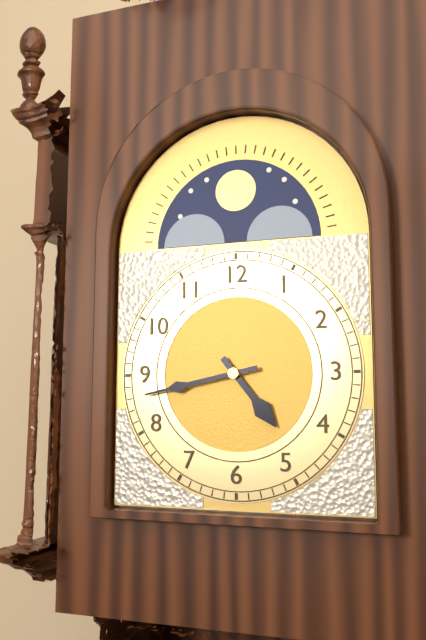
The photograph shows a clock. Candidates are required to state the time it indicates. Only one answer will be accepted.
4:43
